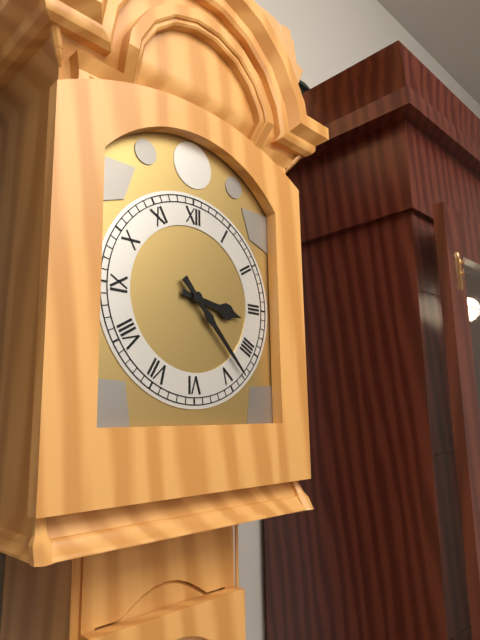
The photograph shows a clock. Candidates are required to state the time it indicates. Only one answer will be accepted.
3:23
